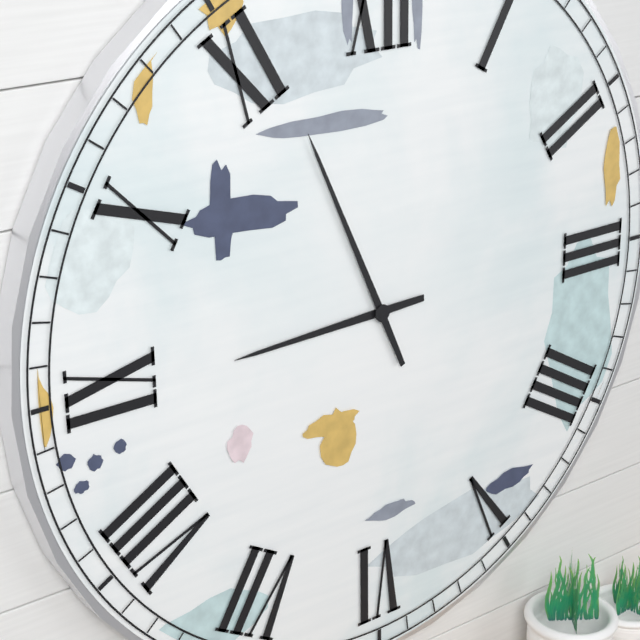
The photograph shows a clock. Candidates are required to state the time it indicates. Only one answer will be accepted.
8:56
